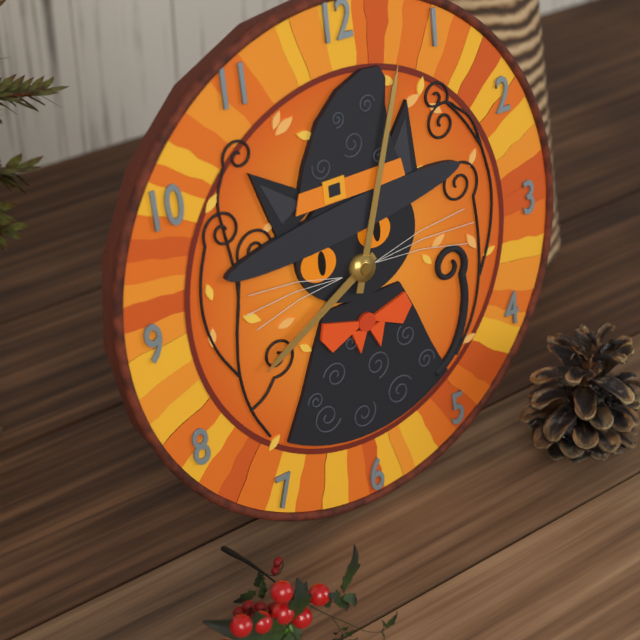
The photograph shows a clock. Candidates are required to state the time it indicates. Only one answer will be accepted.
8:03
